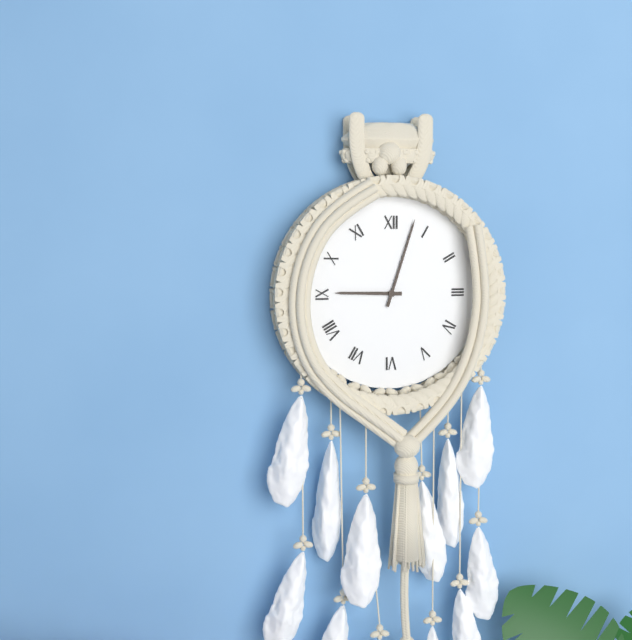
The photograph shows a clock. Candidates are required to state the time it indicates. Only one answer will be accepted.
9:03
